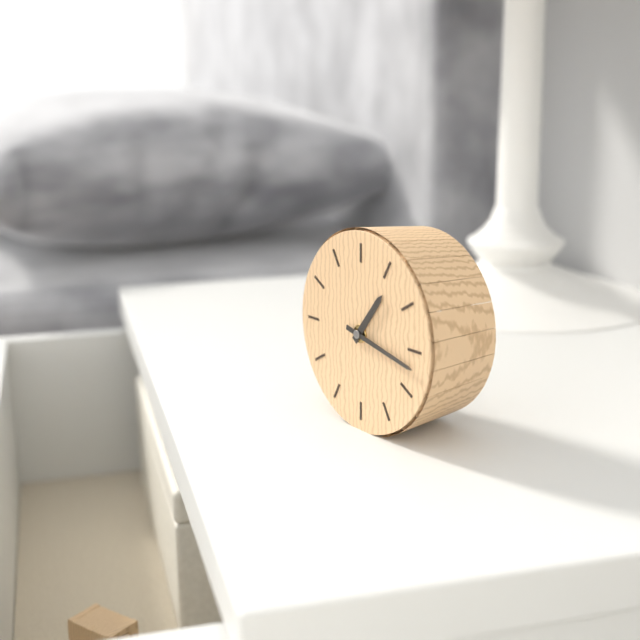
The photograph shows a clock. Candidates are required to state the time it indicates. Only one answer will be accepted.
1:17
